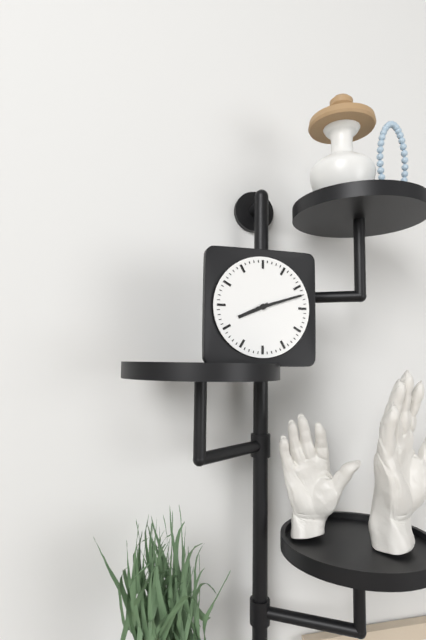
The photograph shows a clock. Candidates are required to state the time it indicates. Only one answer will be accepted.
8:12
